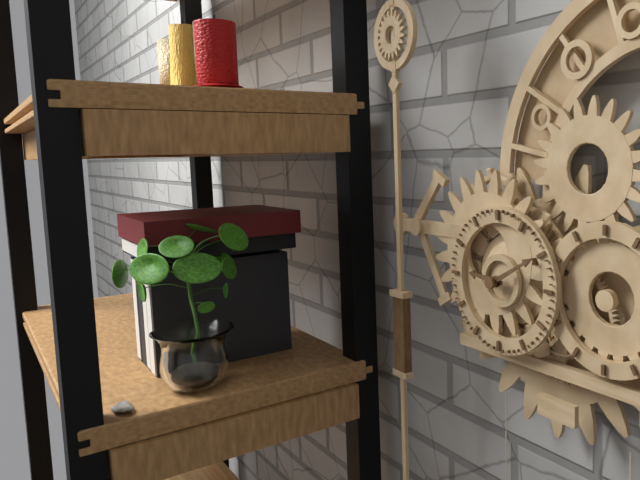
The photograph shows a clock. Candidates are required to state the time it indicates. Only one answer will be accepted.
9:10
